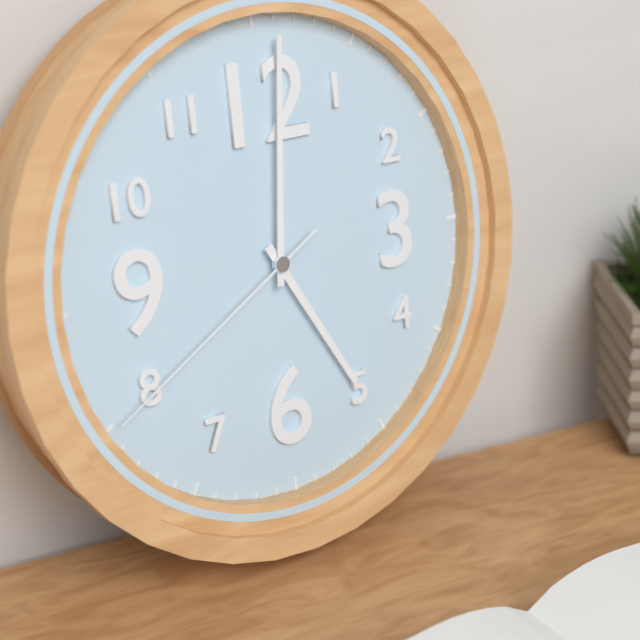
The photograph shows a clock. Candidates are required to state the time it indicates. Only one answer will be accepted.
5:01:40
